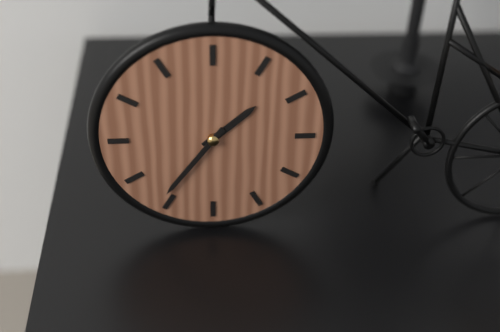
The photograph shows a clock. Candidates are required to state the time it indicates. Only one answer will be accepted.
1:36
